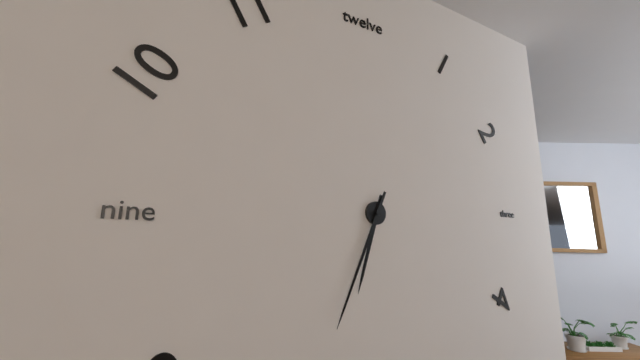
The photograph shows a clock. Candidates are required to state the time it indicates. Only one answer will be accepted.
6:34
